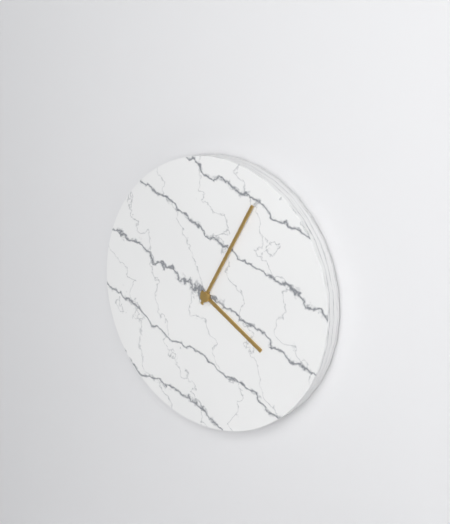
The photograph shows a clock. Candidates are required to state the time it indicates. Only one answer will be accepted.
4:05
